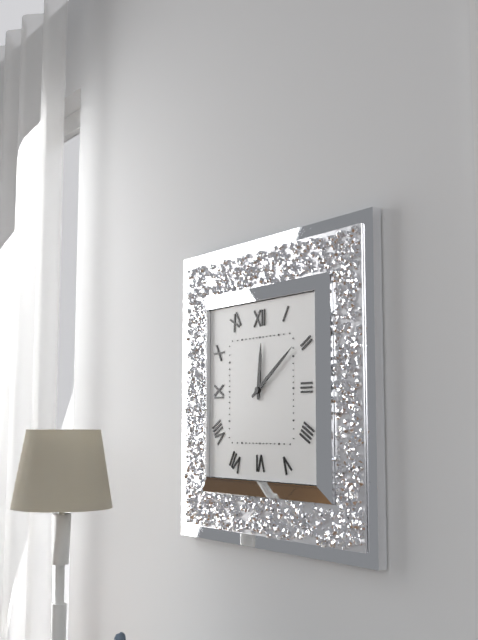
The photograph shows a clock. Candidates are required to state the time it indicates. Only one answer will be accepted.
12:09
